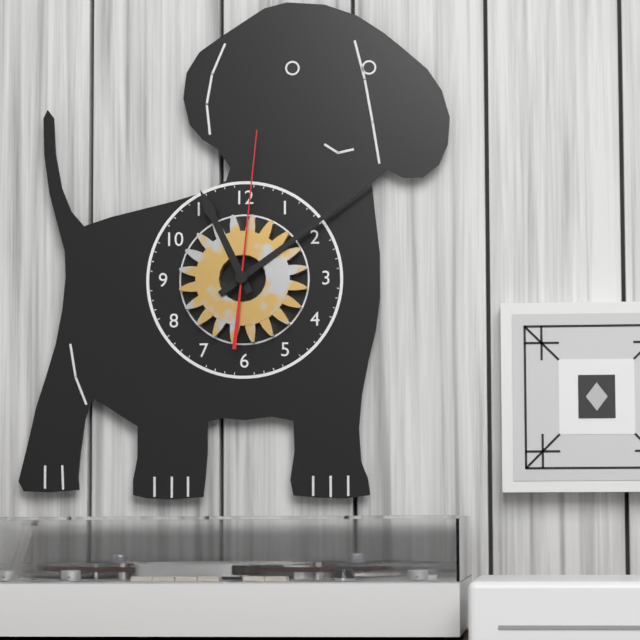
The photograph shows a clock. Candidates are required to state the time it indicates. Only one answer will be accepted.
11:09:01
